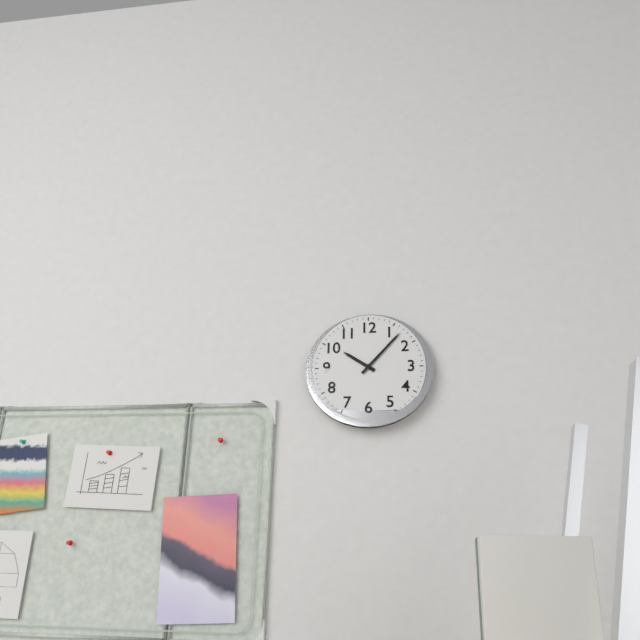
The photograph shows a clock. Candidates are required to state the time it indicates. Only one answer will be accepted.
10:07
